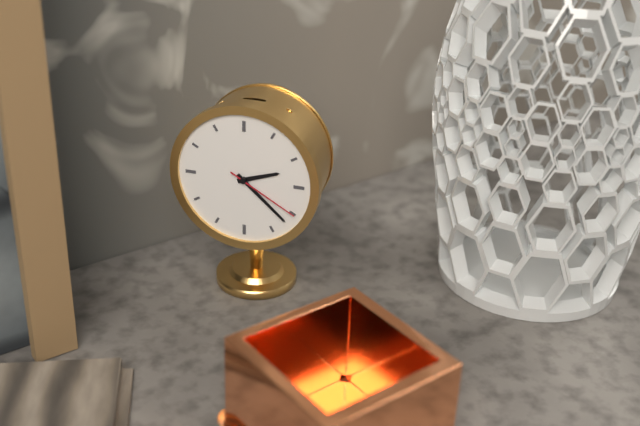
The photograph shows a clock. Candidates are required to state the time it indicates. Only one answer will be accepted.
2:22:20
